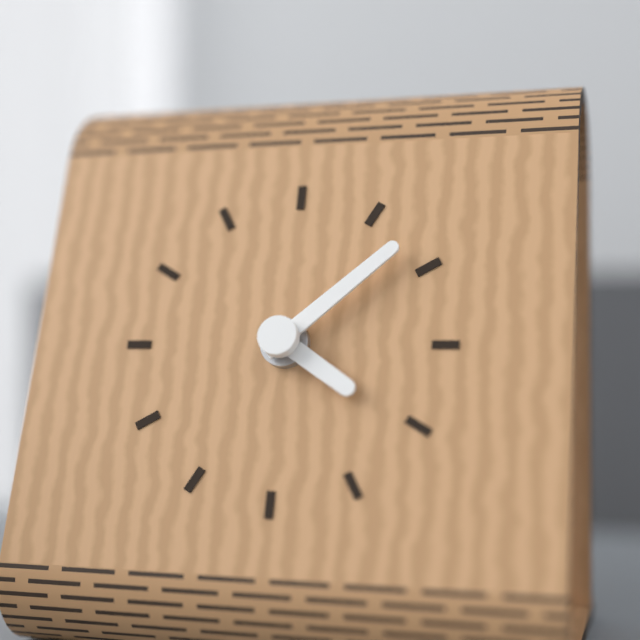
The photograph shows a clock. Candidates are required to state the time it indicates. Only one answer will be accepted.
4:08
